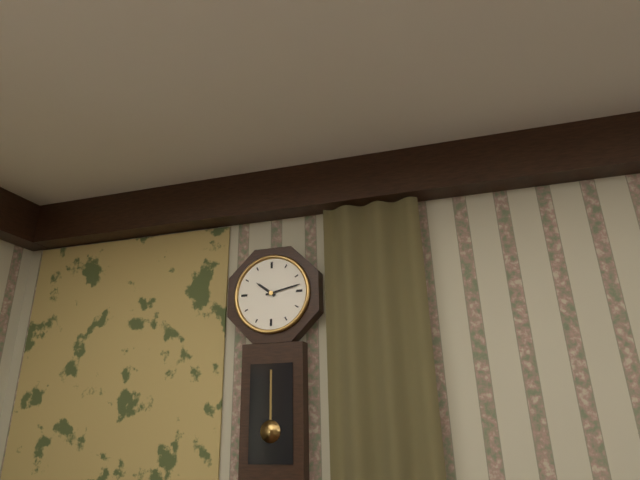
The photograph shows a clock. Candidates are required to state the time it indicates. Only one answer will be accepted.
10:13
